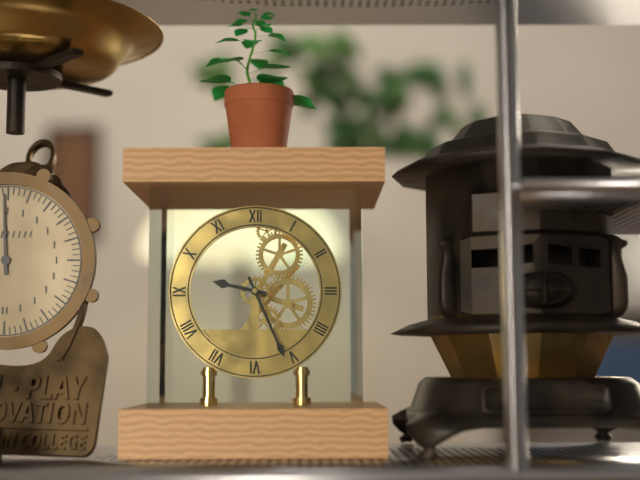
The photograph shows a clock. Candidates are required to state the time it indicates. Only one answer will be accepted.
9:26
